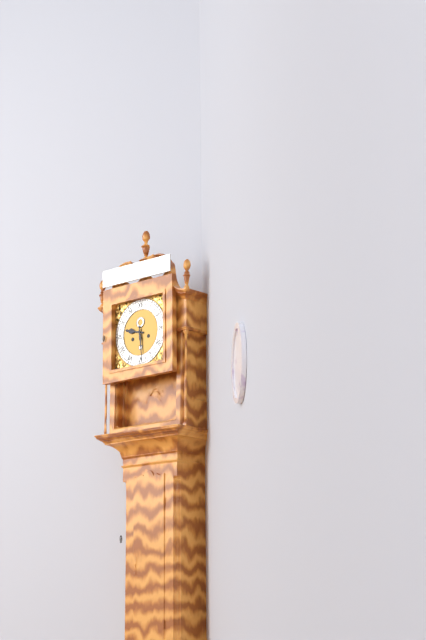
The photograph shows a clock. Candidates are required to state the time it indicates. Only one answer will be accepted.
9:29
